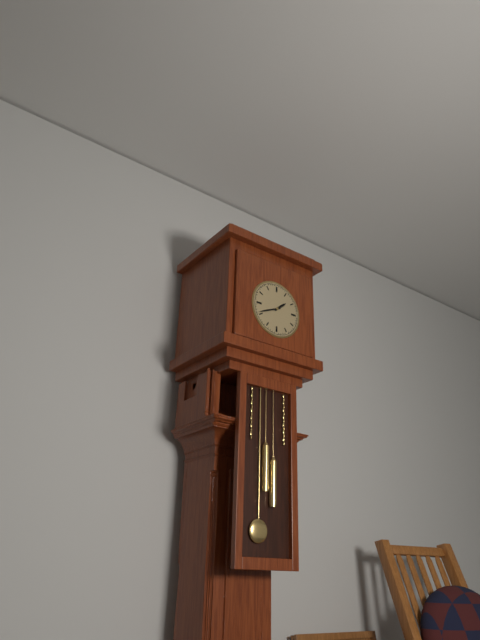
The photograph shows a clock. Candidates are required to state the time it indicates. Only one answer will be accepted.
1:41
